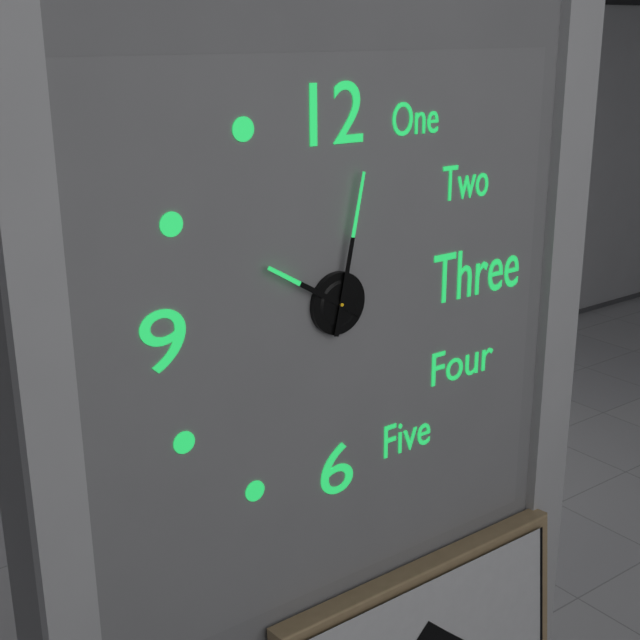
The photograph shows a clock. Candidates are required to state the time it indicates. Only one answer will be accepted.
10:02
